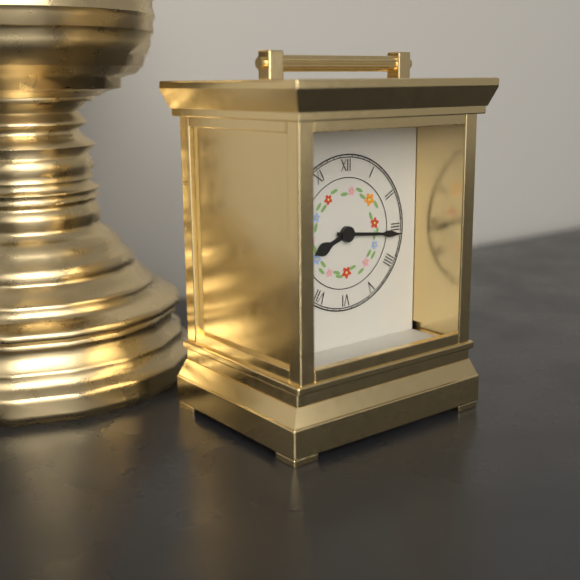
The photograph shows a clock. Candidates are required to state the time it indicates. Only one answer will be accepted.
8:16
